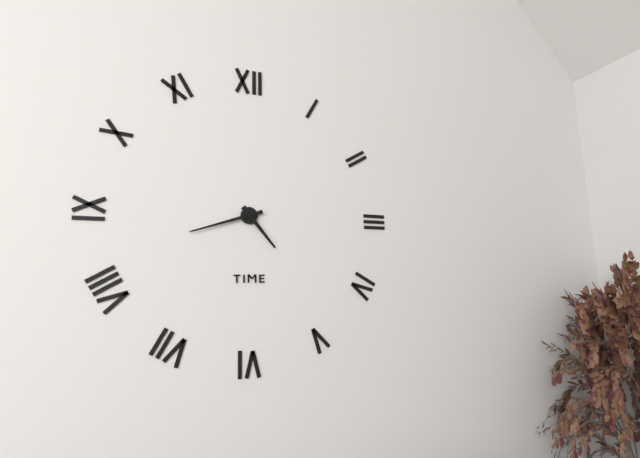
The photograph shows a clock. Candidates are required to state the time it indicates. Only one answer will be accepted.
4:42
